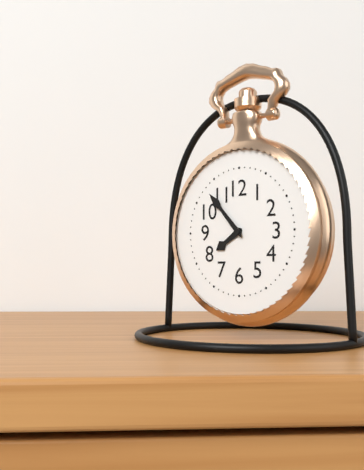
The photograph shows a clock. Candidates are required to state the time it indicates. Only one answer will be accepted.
7:53
